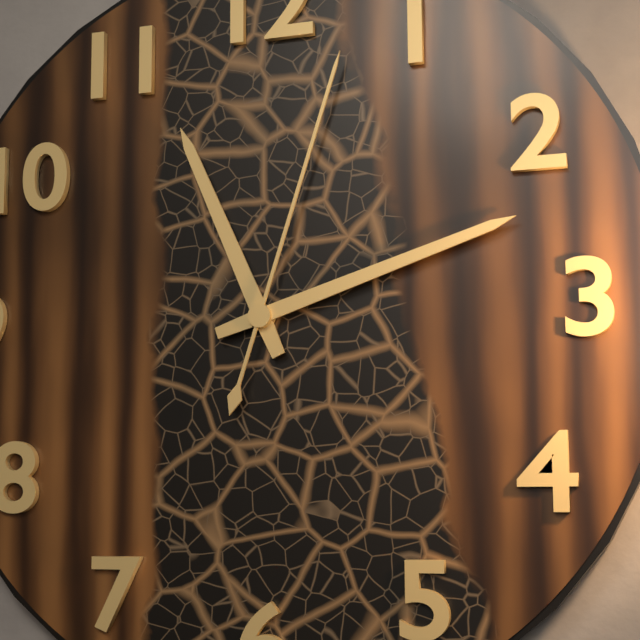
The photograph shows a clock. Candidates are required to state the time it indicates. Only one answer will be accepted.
11:12:03
